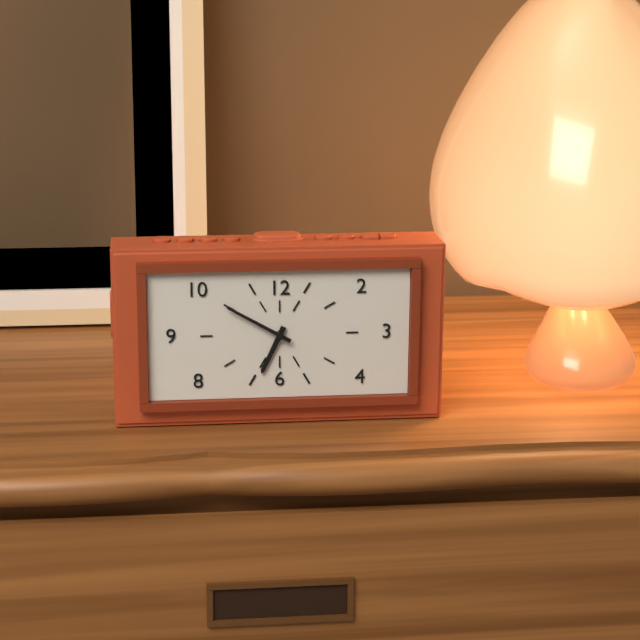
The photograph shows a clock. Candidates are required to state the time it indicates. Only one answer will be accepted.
6:50
